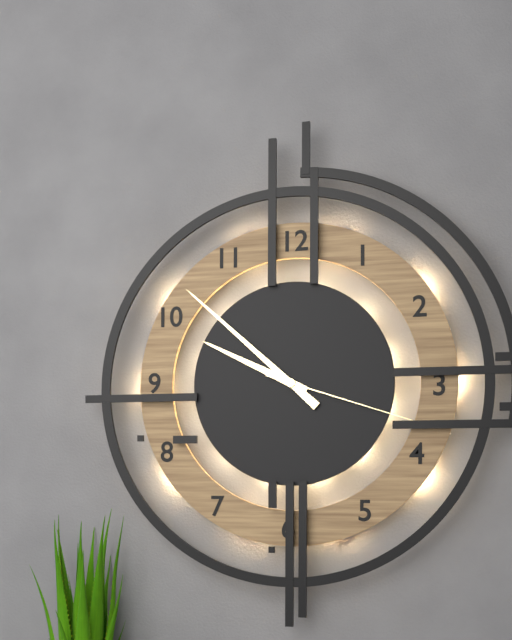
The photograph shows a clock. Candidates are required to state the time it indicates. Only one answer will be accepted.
9:52:18
